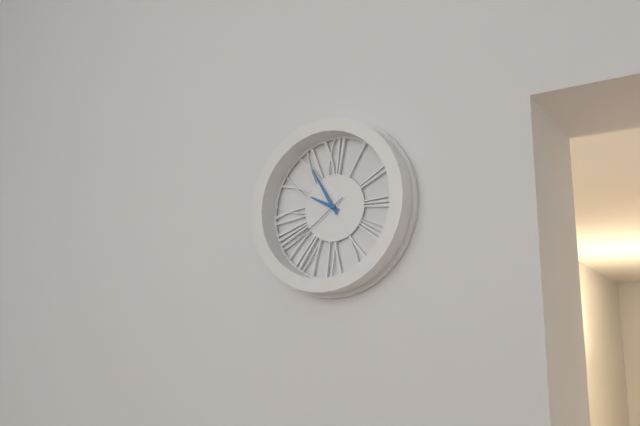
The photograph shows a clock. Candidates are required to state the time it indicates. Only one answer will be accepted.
9:55:39
